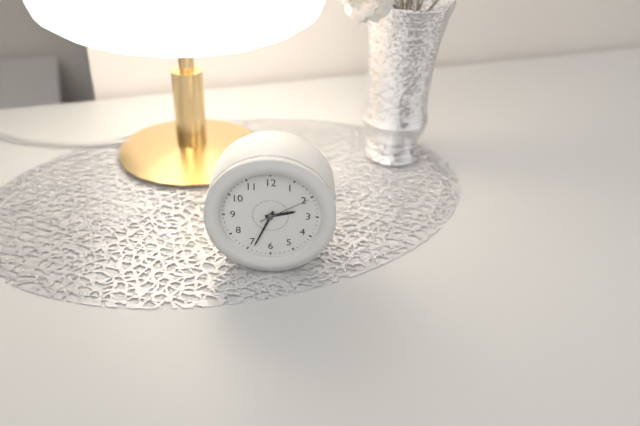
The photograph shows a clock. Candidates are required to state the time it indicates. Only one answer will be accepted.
2:34:10
